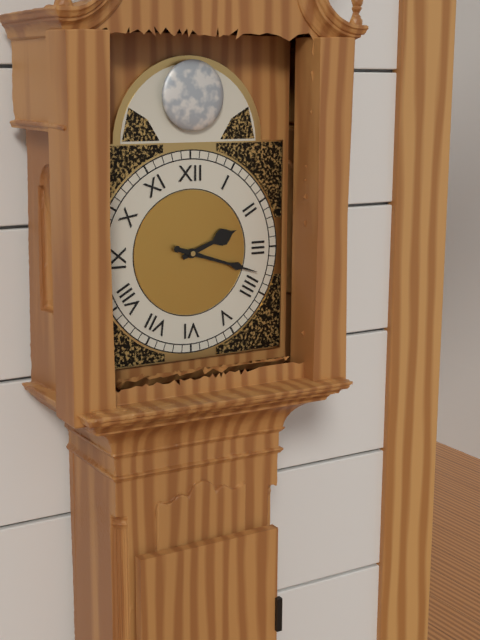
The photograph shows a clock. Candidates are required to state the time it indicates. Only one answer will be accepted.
2:18
